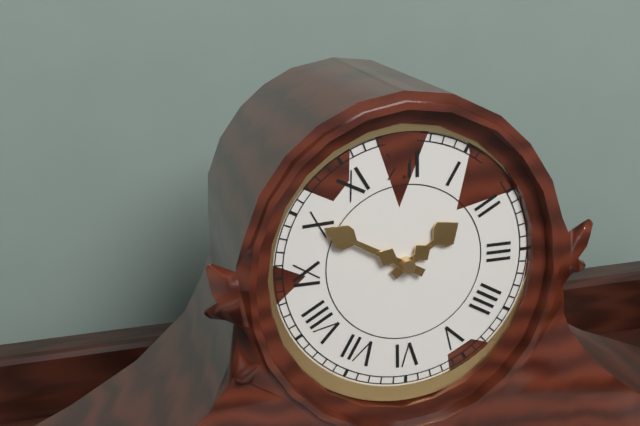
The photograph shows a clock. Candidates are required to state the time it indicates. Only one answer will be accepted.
1:50
